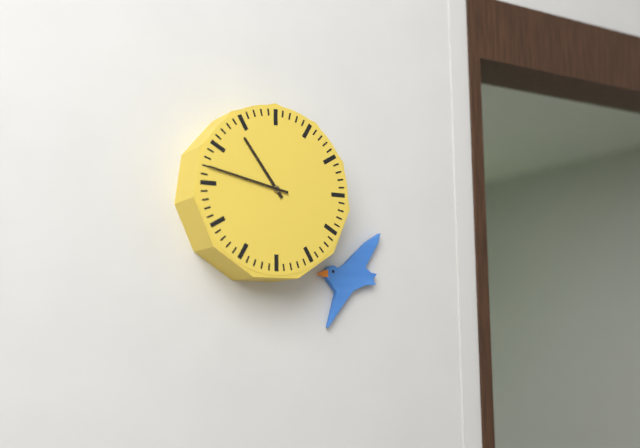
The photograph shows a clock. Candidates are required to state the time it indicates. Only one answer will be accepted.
10:47
